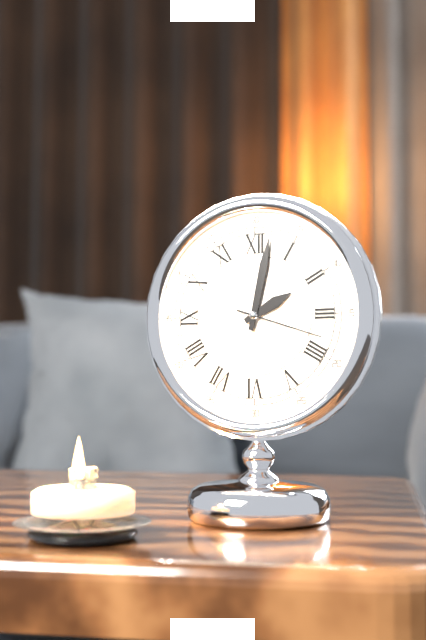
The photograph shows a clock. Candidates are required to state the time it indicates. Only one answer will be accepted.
2:02:18
